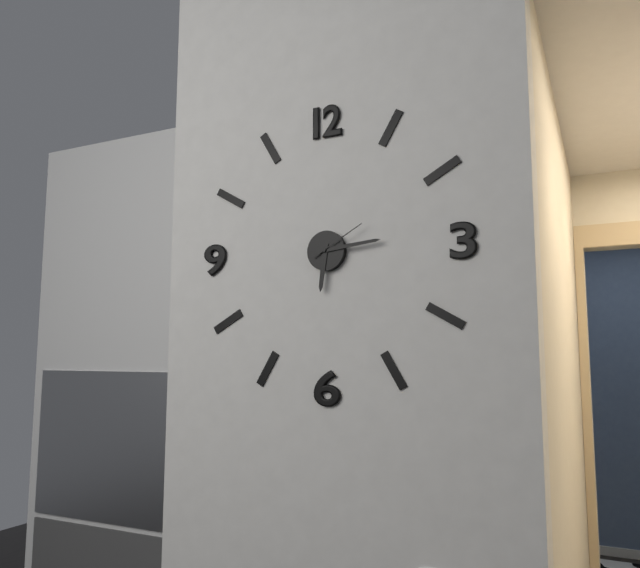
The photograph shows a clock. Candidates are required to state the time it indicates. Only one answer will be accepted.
6:14:10
